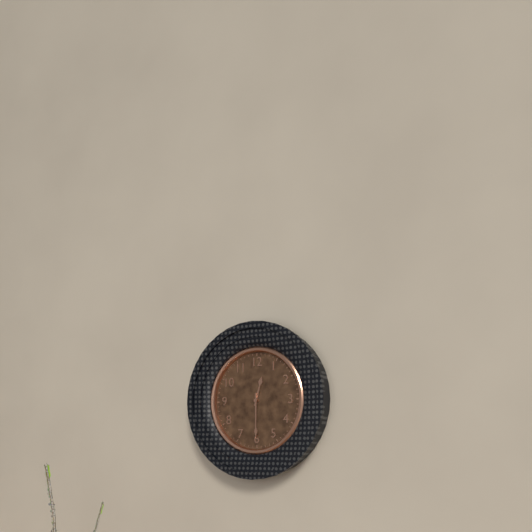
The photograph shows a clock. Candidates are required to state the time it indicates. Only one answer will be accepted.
12:30
